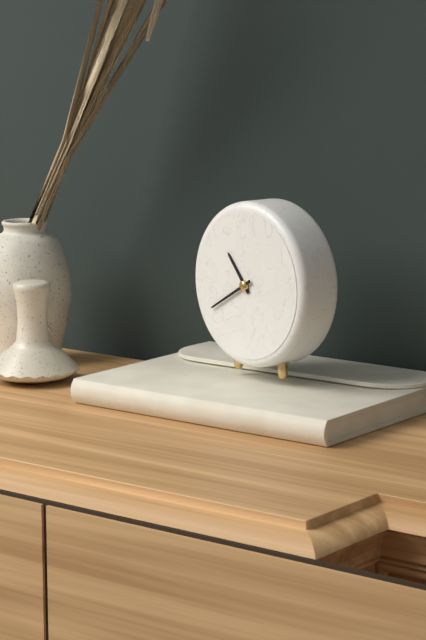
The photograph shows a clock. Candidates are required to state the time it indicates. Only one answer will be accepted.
10:40
